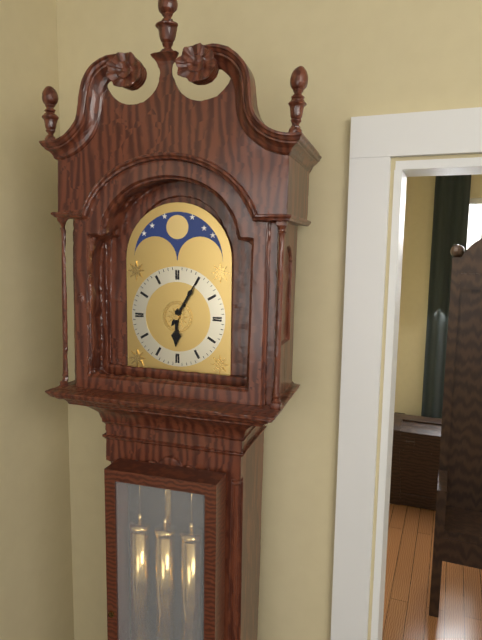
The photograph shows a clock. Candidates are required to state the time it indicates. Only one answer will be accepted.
6:05
